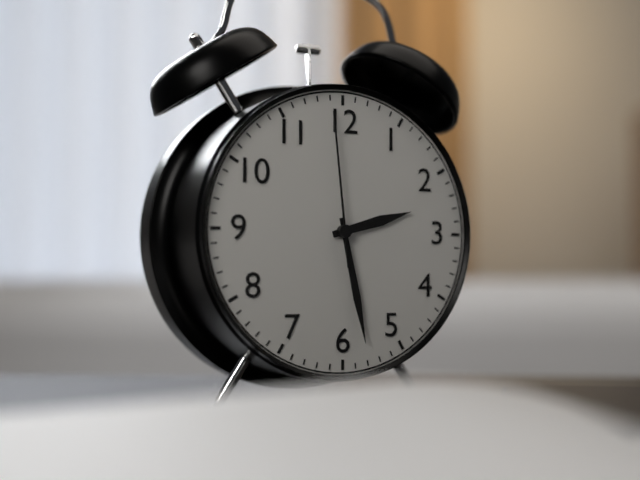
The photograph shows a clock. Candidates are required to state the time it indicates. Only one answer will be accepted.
2:28:59
